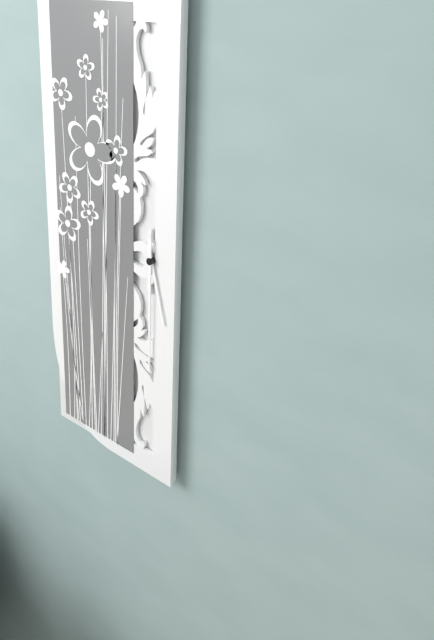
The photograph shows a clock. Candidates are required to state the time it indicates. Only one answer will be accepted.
5:30
